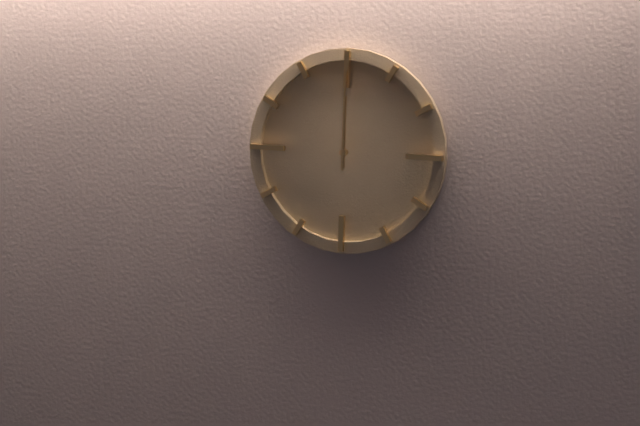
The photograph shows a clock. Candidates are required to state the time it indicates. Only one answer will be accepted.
12:00
